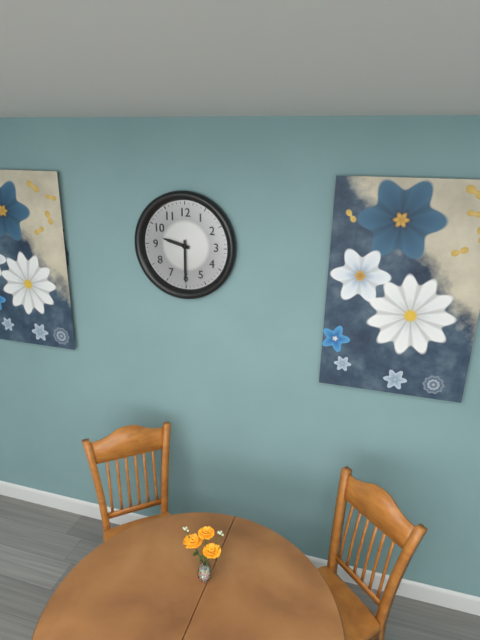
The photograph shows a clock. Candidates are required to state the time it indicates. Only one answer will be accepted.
9:30
